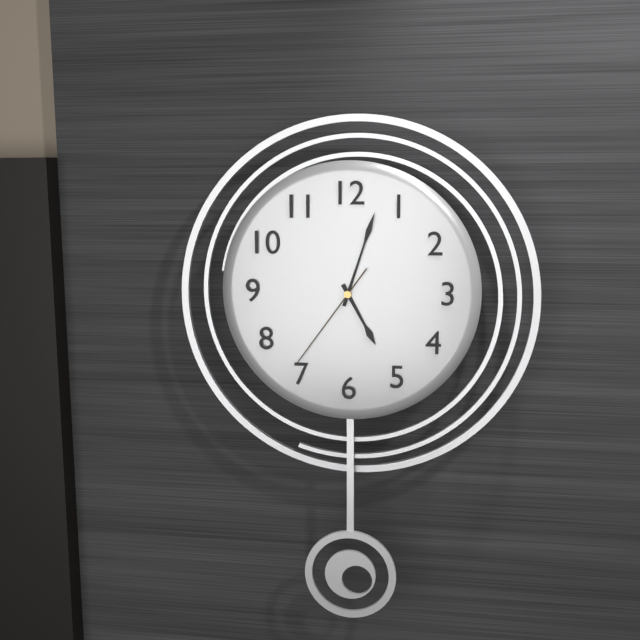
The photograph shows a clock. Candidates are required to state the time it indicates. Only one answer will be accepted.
5:03:36
